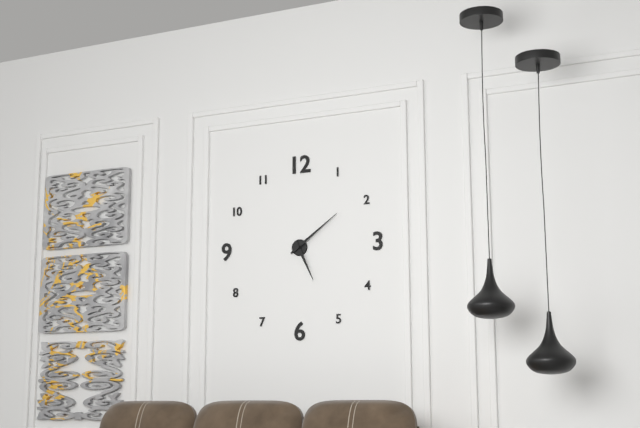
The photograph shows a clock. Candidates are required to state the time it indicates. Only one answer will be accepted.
5:09
